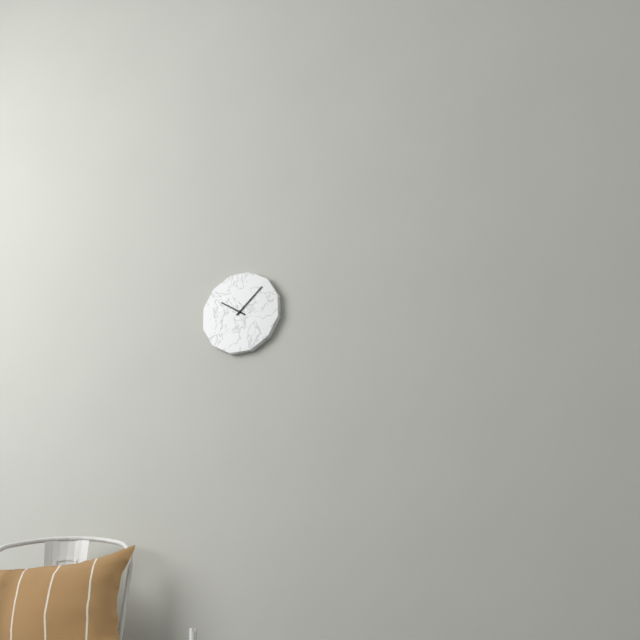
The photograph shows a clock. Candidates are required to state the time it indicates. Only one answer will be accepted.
10:08
